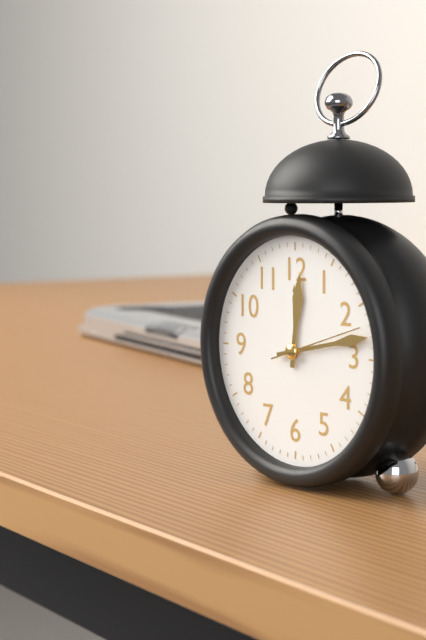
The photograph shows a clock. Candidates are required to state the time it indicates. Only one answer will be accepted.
12:13:12
